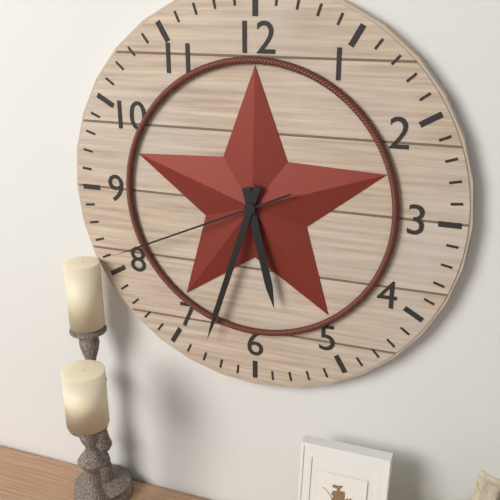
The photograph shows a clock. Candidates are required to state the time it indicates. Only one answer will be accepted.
5:33:41
